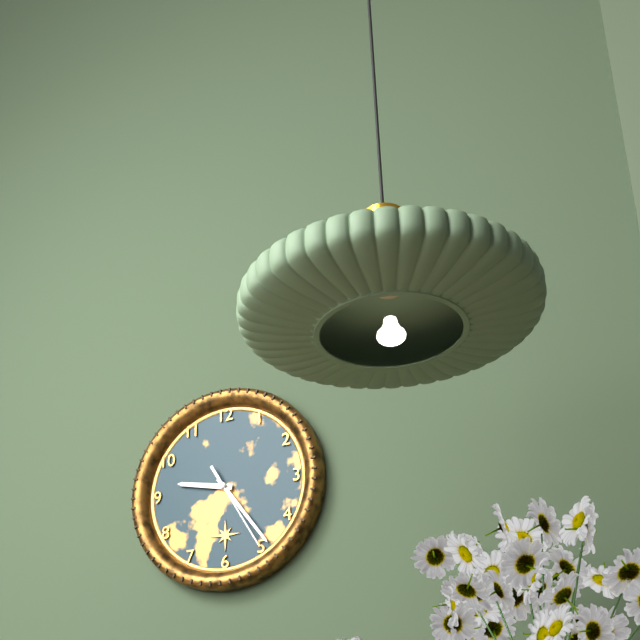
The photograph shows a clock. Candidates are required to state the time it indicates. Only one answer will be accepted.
9:24:25
